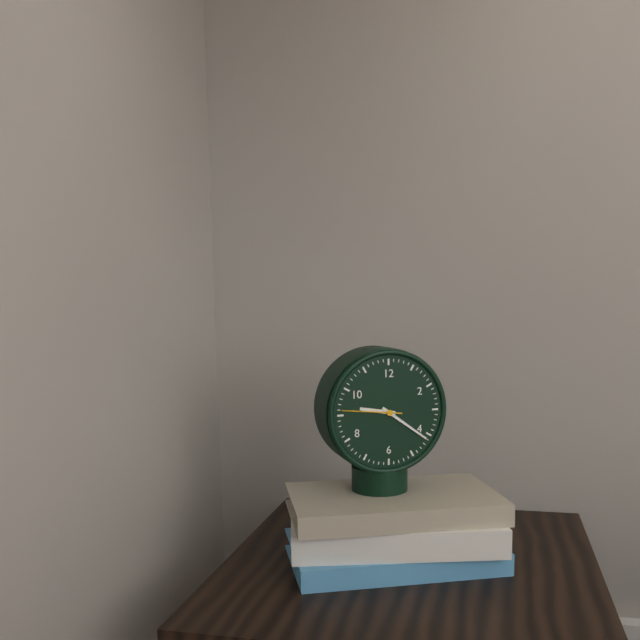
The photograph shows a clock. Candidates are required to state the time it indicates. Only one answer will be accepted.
9:21:46
